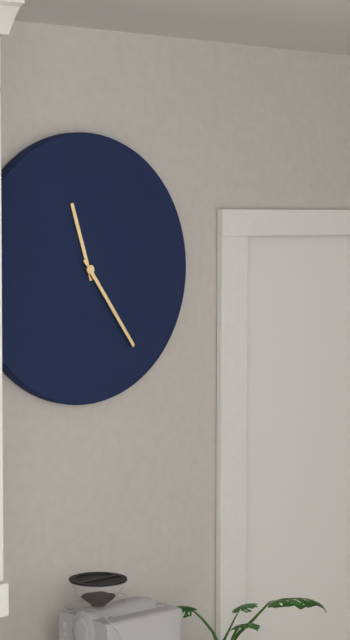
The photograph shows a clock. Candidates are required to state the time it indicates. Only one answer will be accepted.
11:24
